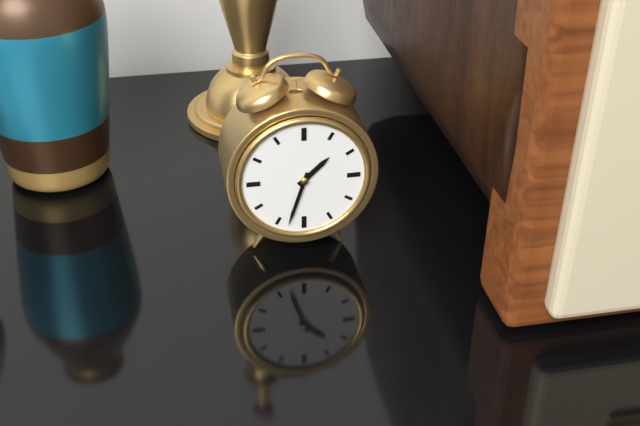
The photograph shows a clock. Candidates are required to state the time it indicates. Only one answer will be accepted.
1:33
